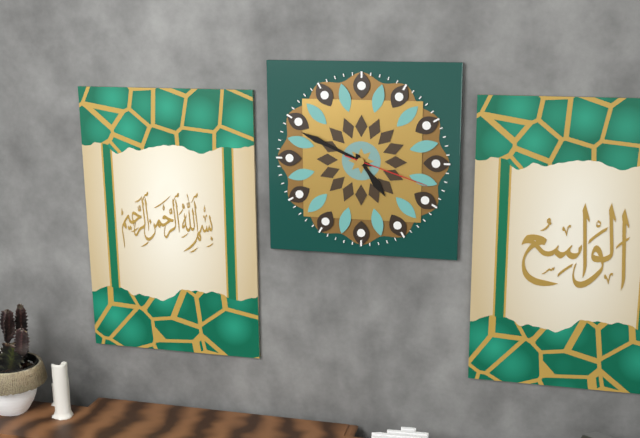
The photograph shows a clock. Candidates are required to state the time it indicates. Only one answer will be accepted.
4:49:18
